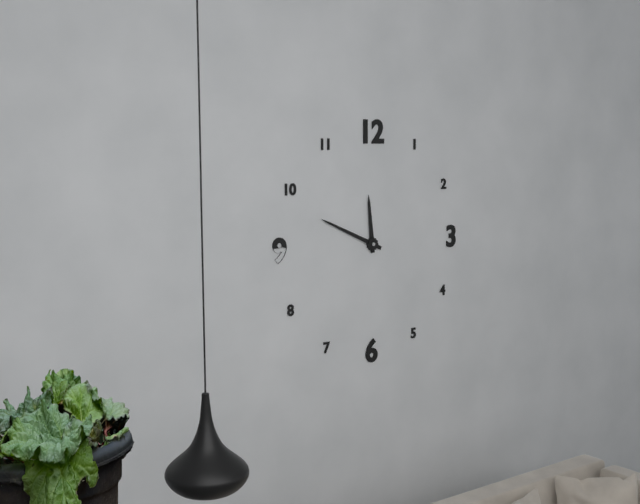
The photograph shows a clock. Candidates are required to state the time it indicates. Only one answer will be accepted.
11:49
